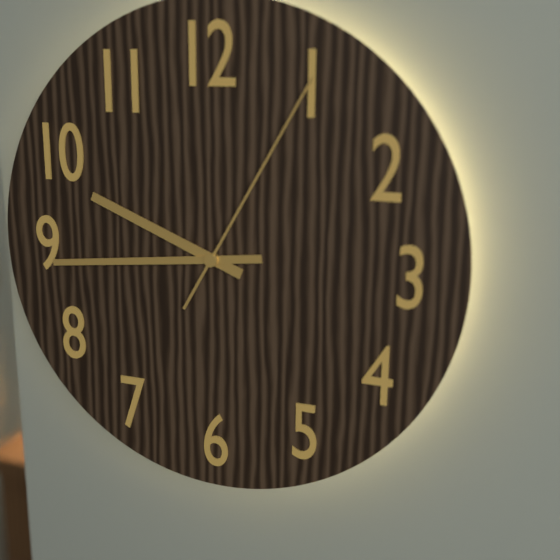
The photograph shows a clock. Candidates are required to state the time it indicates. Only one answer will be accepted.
9:44:05
